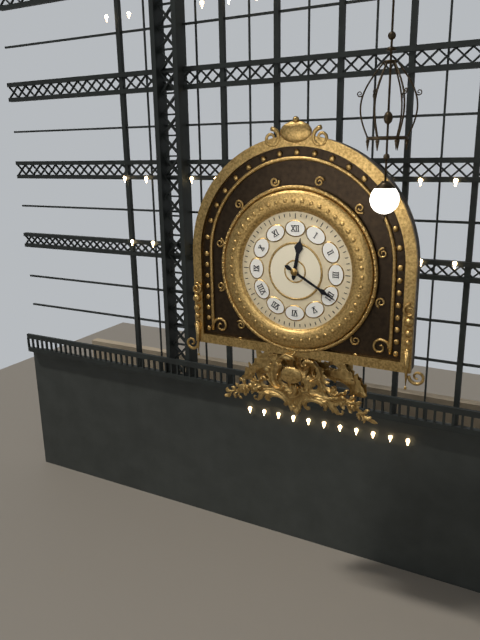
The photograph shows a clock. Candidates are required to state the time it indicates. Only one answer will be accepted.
12:20
